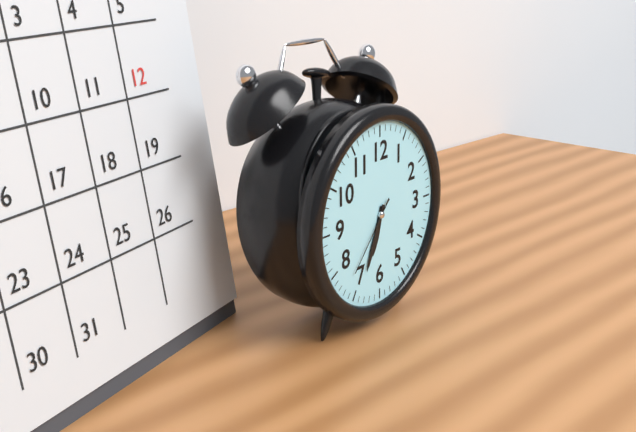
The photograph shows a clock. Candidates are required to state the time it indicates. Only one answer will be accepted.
6:34:37
